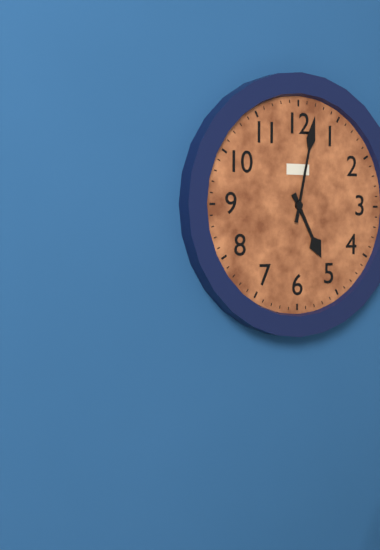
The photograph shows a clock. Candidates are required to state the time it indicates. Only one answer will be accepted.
5:02
